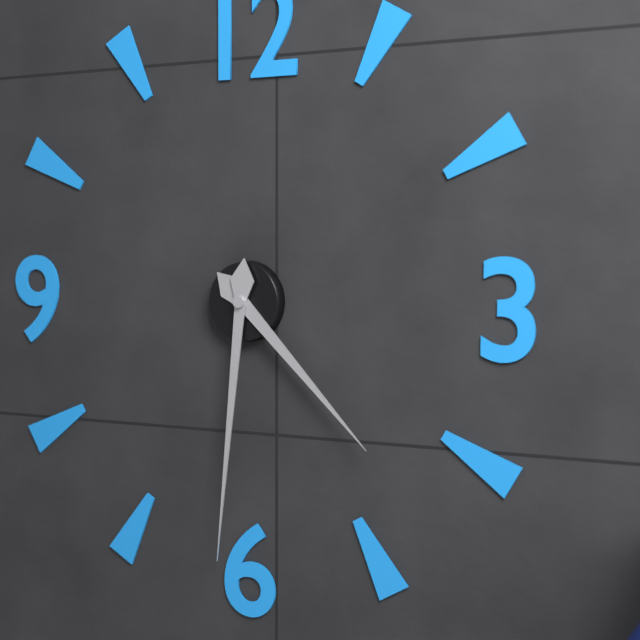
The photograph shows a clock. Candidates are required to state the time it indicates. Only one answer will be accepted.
4:31
